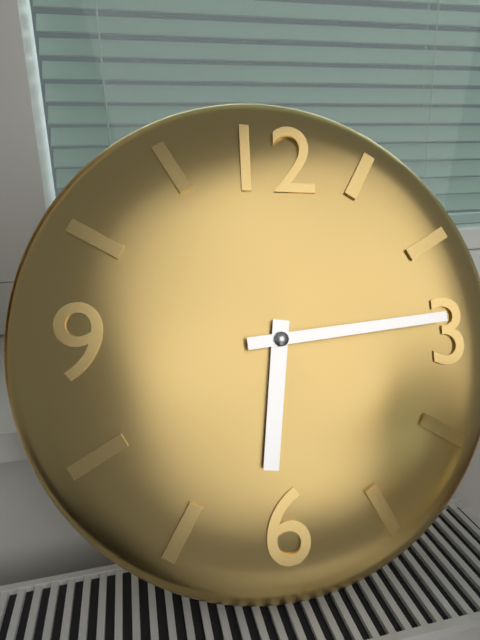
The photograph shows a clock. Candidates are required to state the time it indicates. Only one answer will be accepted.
6:14
